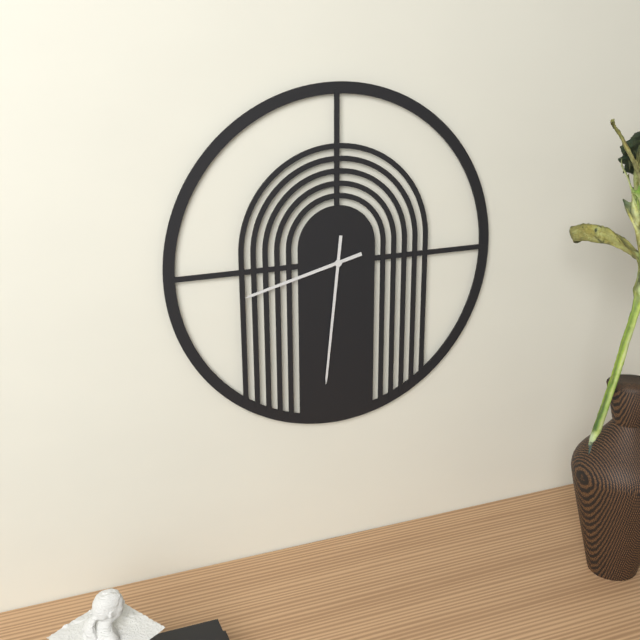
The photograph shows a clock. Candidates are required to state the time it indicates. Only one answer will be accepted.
8:31
